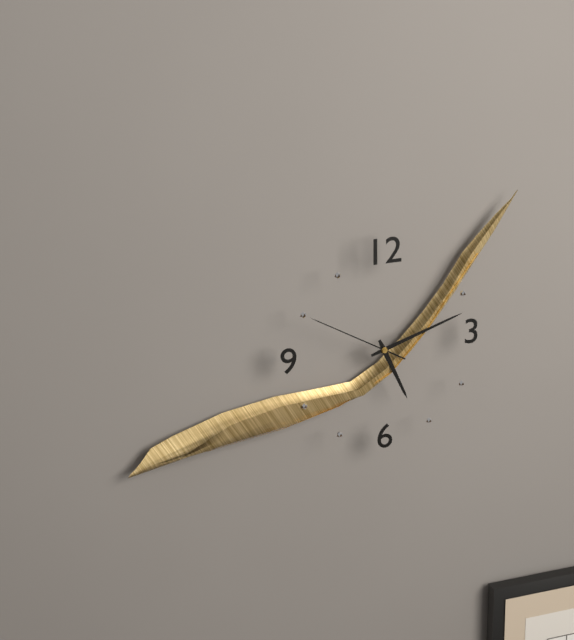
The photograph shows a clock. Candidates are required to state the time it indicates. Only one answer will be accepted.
5:12:50
